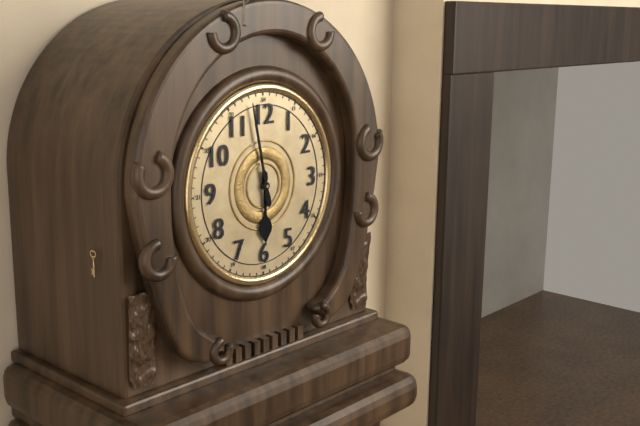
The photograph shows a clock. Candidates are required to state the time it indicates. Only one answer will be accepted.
5:58
